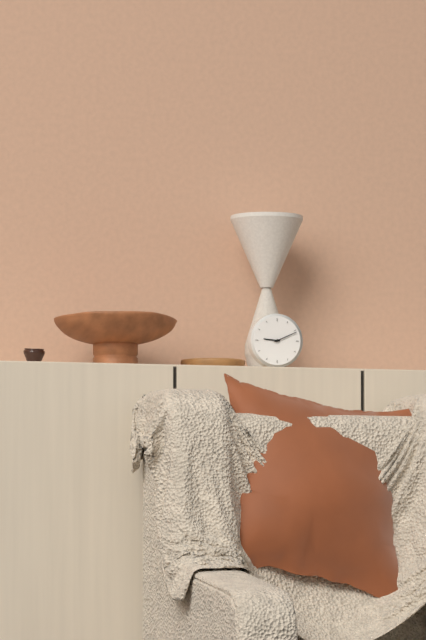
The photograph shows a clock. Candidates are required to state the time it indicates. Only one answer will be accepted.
9:11
